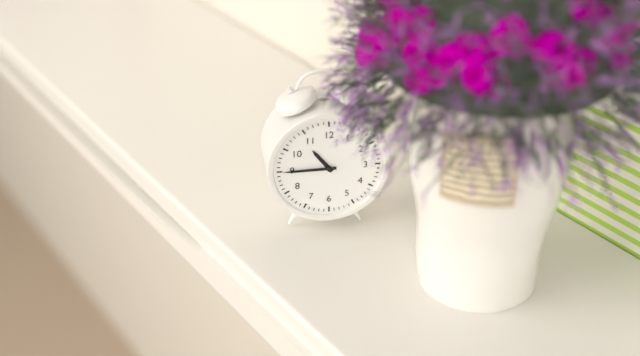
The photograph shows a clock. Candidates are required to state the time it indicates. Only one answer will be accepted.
10:45
